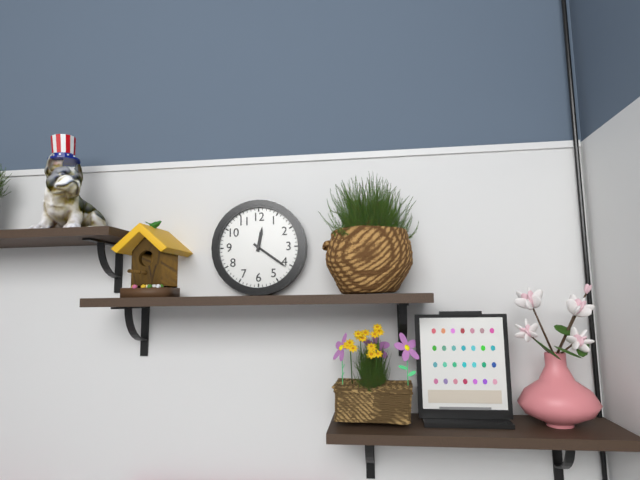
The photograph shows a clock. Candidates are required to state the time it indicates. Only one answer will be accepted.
12:21
